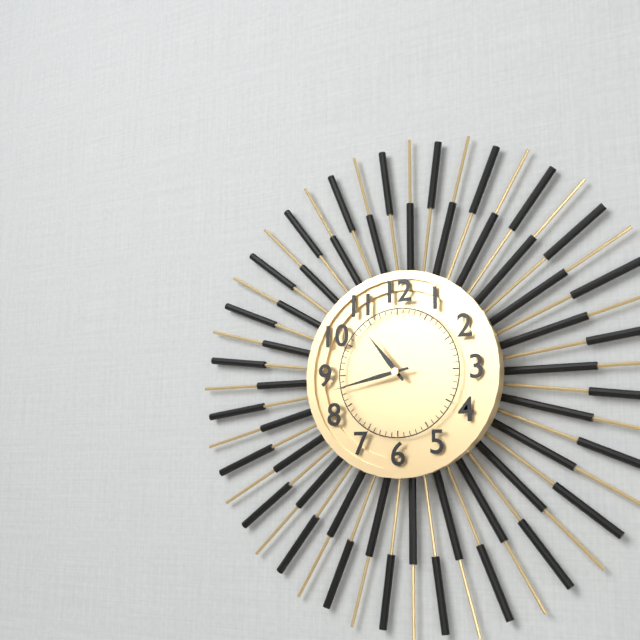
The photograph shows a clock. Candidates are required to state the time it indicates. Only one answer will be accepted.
10:43
